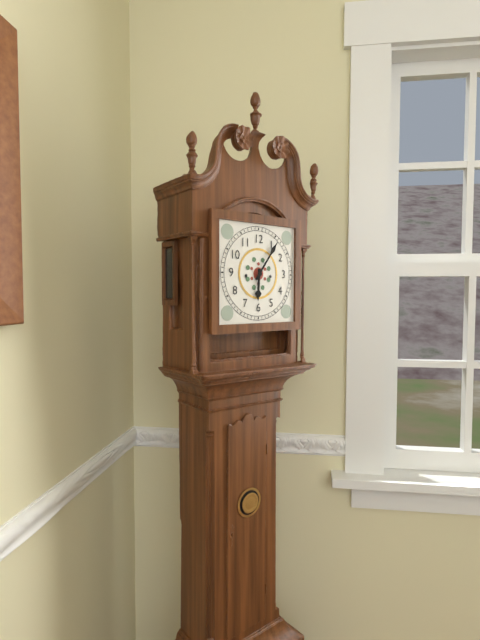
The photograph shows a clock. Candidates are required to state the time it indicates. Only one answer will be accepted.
6:06
